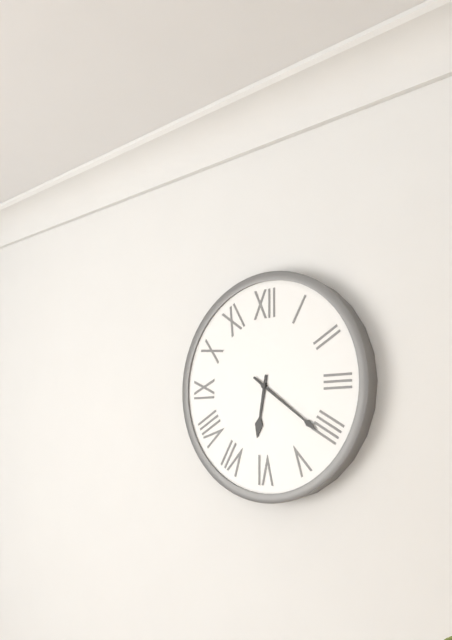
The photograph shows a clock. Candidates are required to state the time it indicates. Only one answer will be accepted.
6:21
